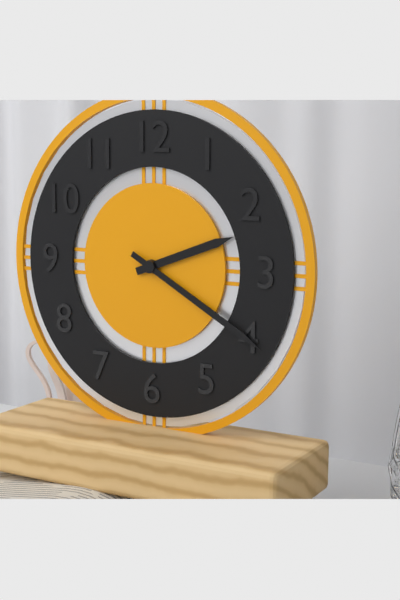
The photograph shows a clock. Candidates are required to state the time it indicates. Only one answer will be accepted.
2:20
